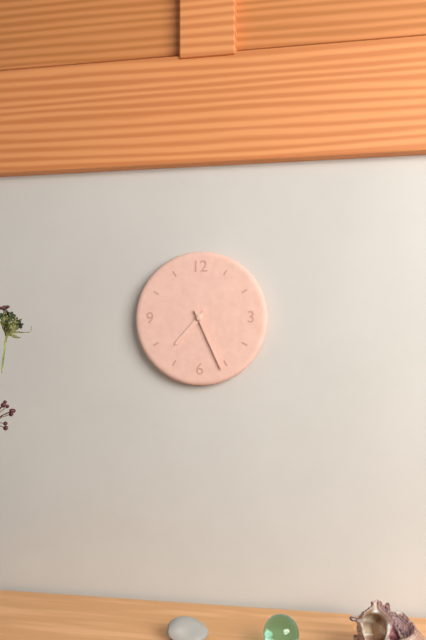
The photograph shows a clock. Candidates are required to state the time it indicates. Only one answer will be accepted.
7:26
